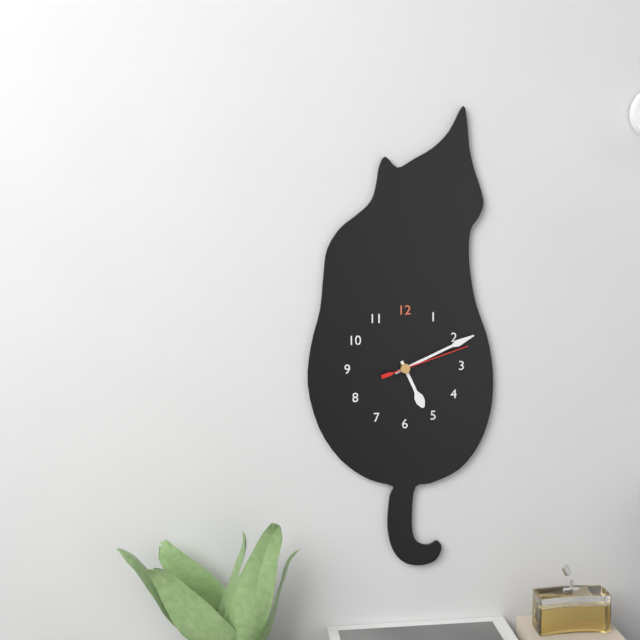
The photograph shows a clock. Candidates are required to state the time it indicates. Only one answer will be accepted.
5:11:12
